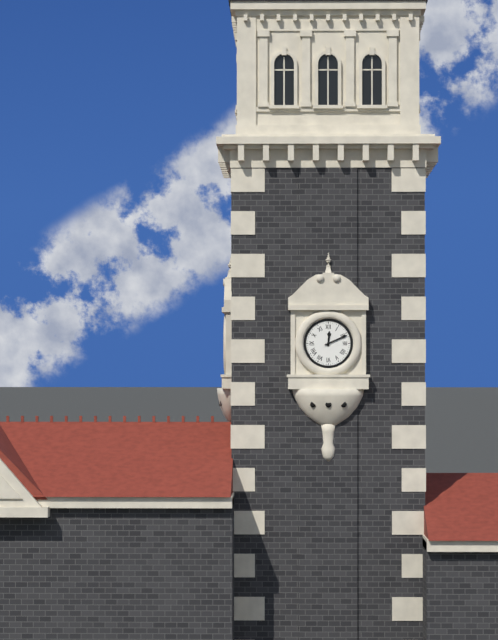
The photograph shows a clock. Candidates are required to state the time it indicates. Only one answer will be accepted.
12:11
